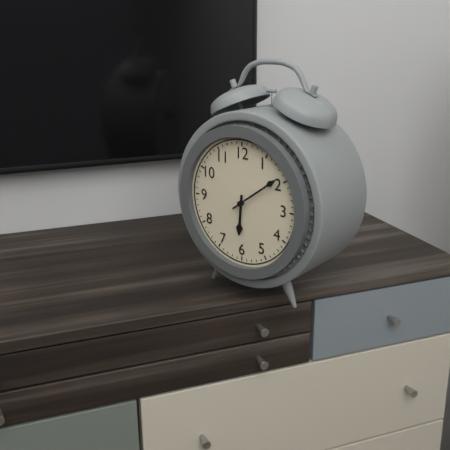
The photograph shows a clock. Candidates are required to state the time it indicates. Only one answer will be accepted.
6:09
